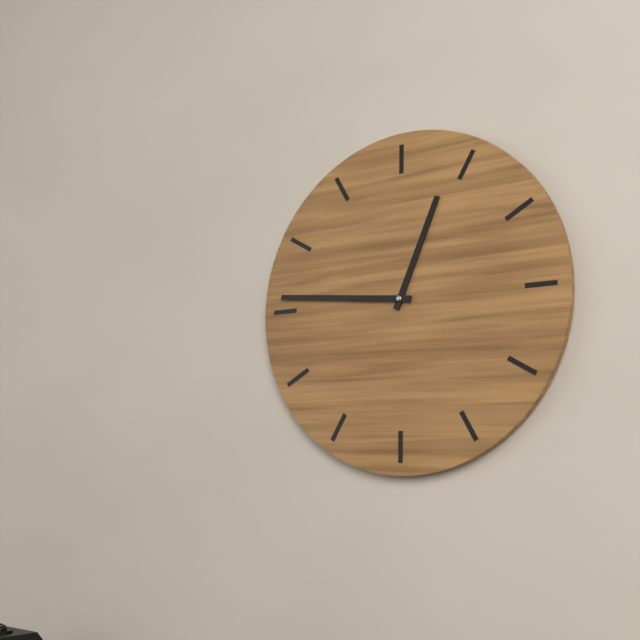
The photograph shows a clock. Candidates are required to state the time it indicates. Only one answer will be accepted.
12:46
